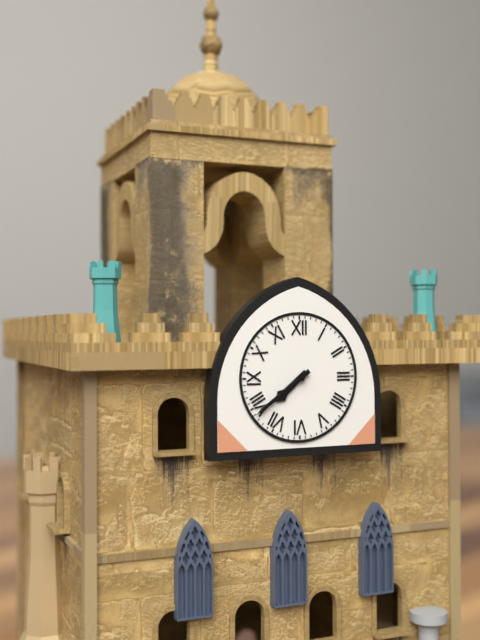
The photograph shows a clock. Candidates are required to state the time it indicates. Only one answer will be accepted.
7:39
